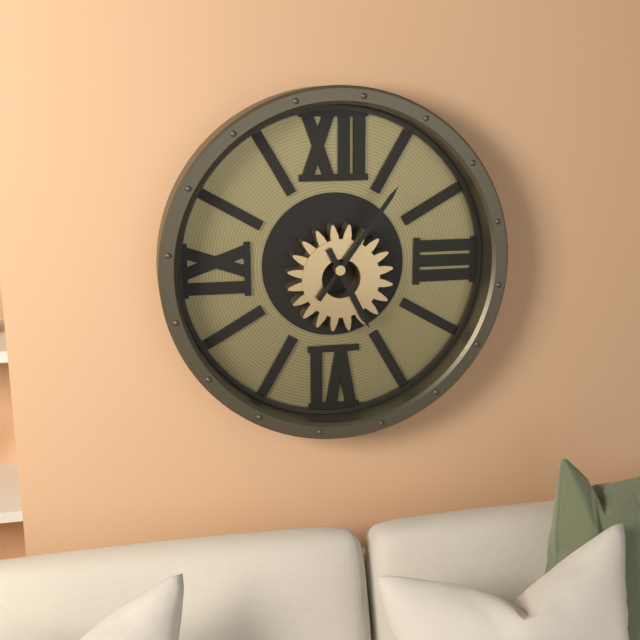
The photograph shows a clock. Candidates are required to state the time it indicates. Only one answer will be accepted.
5:06
